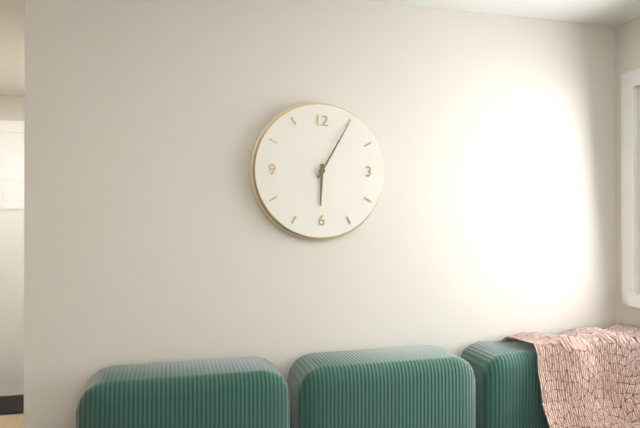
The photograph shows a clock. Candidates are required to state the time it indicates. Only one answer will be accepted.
6:05
